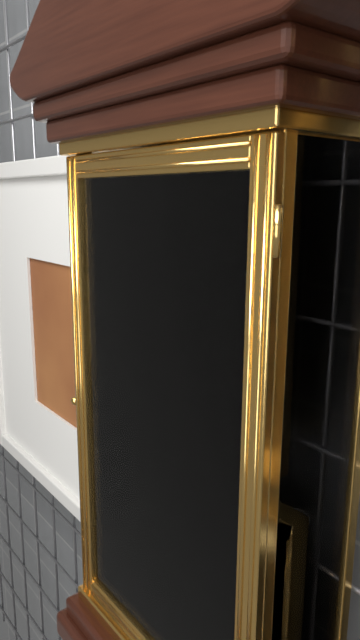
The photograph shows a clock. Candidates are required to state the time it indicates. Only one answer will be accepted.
11:17
